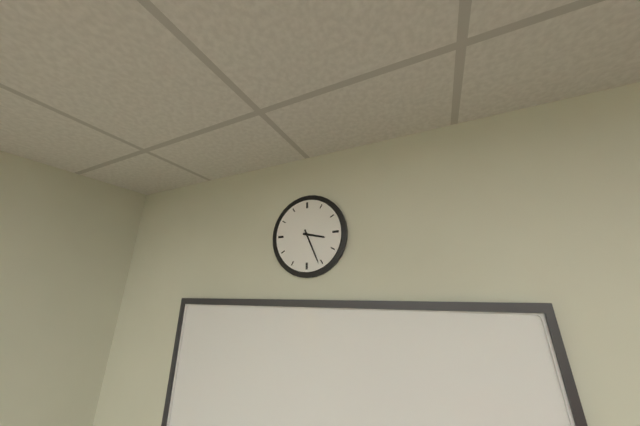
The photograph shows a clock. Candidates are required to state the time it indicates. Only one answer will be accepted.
3:26
